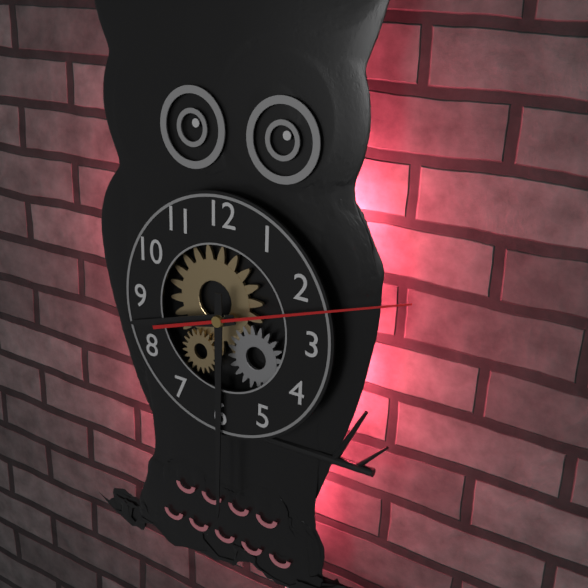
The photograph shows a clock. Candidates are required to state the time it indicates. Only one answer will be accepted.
8:30:12
